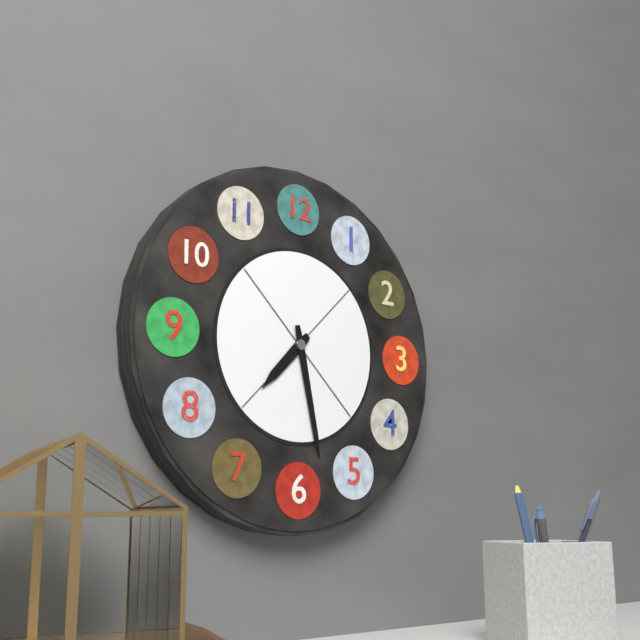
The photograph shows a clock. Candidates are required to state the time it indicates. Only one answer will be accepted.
7:28
